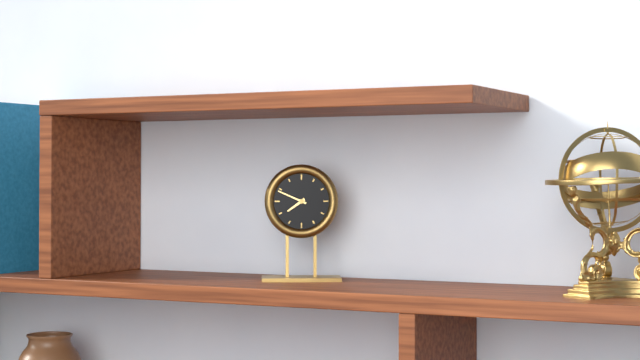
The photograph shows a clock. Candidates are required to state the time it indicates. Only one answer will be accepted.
7:49
